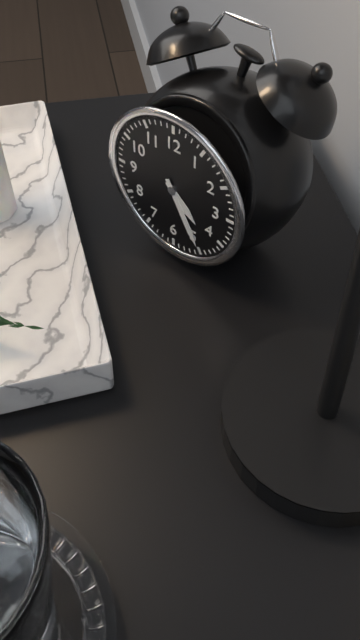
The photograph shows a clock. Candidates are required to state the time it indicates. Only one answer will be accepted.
4:25
